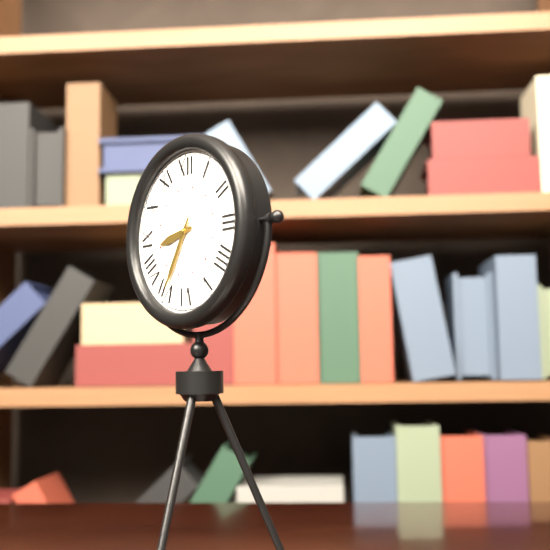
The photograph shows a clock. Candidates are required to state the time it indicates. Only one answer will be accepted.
8:35
